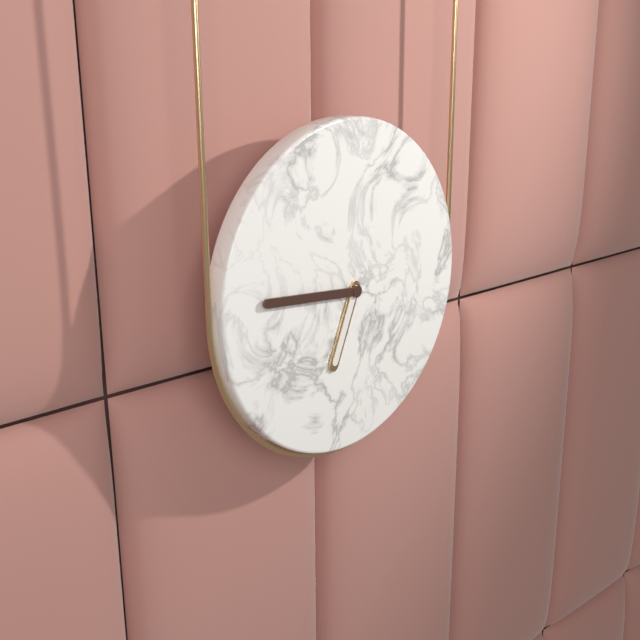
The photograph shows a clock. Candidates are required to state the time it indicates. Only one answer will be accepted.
6:46
